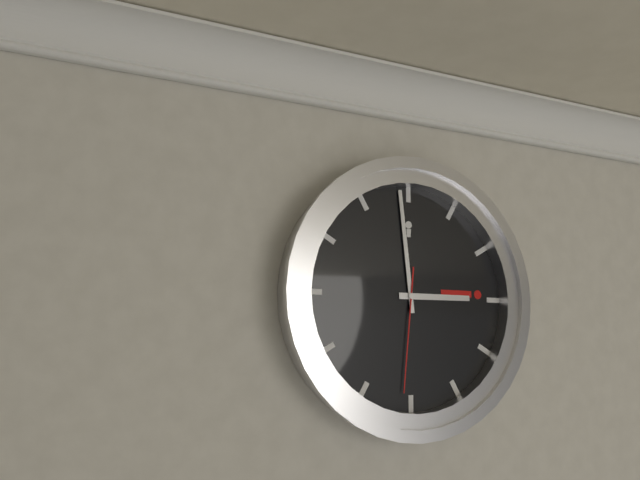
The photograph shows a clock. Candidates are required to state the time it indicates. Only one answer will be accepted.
2:59:31
